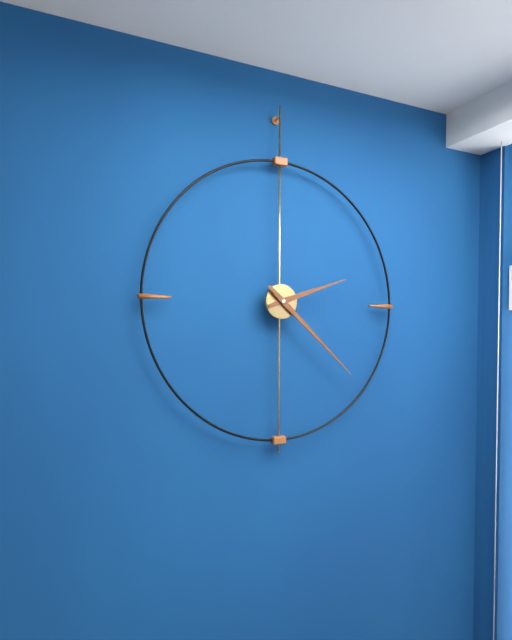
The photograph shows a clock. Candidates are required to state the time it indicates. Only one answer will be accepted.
2:22
